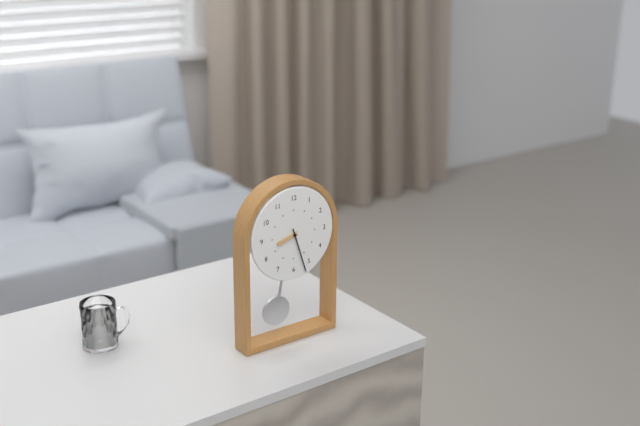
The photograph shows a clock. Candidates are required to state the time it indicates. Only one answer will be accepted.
8:27
